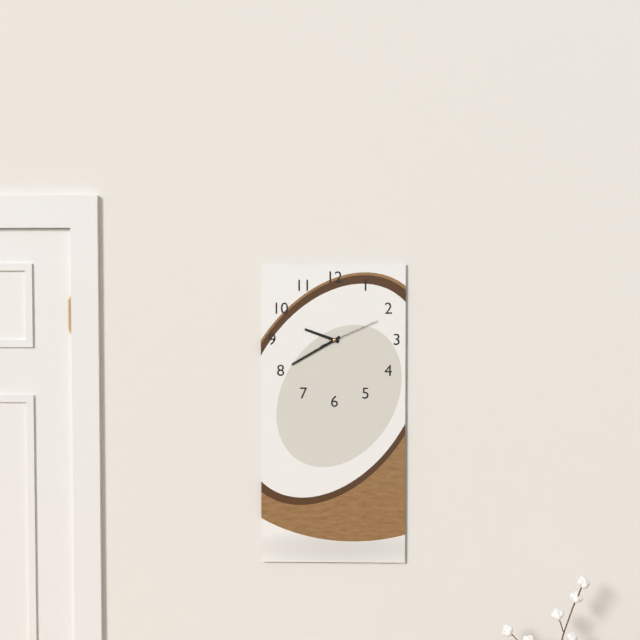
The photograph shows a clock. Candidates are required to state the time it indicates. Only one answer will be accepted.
9:40:11
